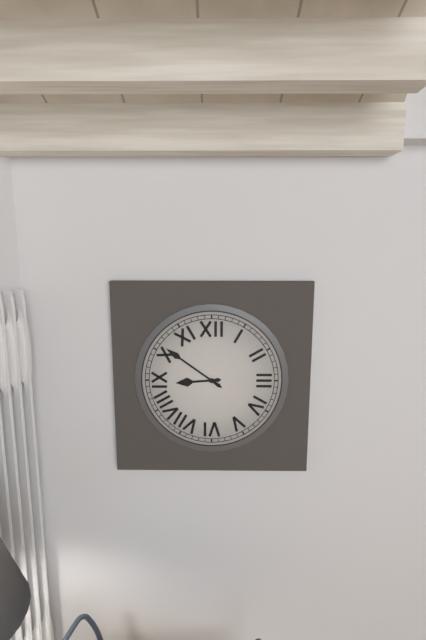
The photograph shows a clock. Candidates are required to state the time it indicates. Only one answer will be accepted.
8:51
